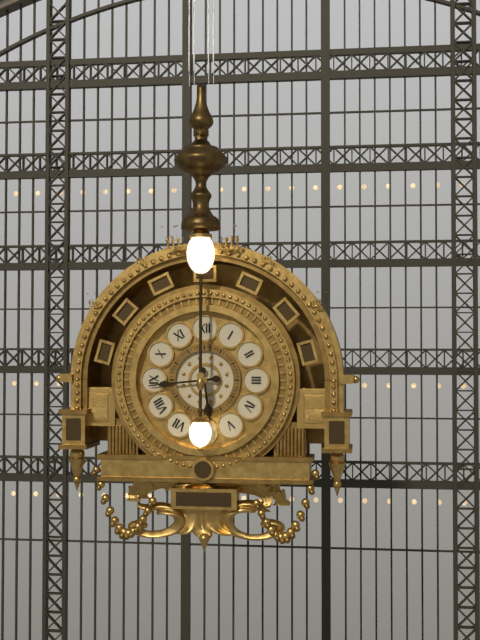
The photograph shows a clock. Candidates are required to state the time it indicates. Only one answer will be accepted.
5:44
